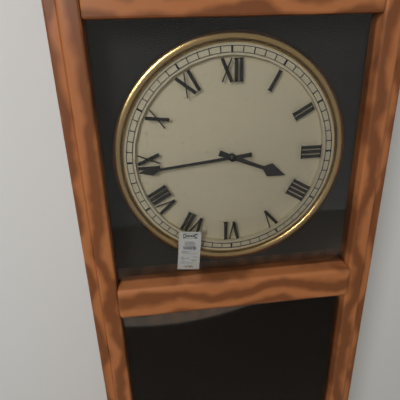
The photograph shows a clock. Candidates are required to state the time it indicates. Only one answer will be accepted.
3:44
